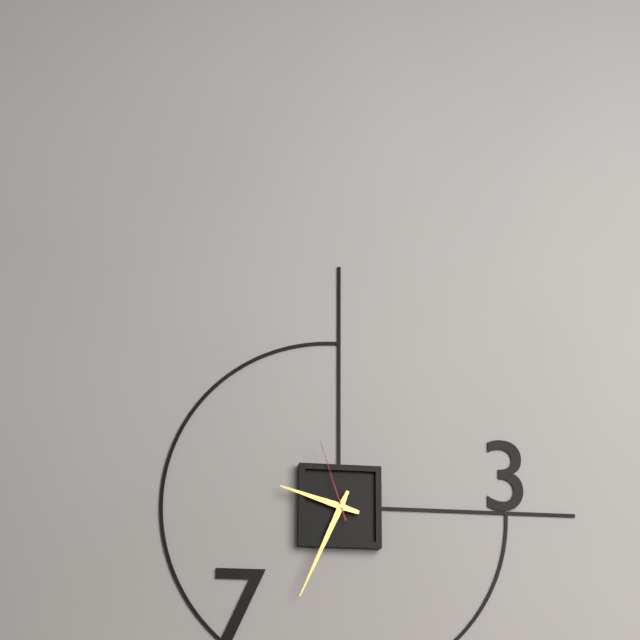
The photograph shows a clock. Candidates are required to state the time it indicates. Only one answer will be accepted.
9:34:57
